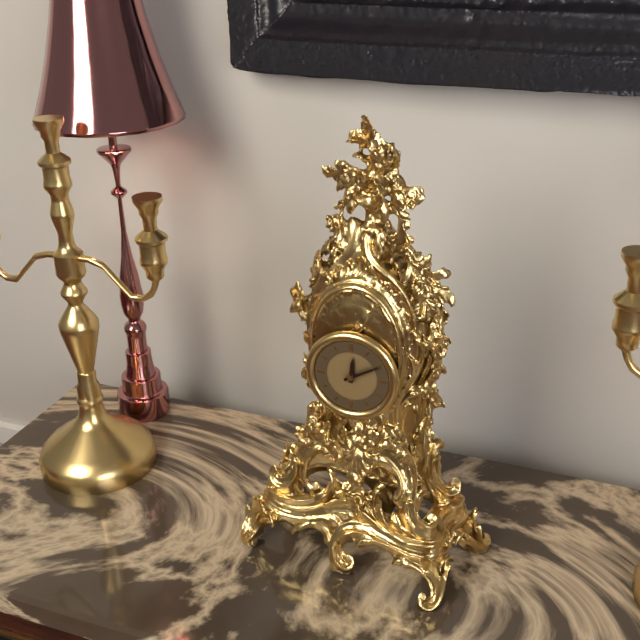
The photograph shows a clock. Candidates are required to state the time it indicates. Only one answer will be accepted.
12:10
